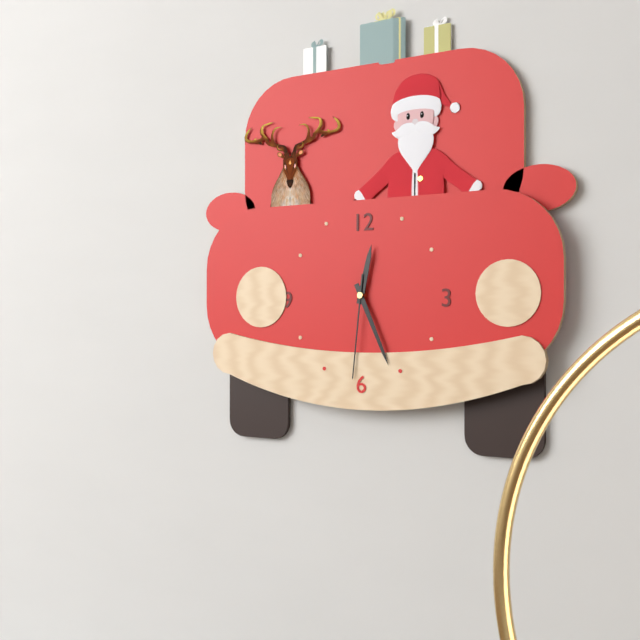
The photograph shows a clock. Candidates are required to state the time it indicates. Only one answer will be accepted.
12:26:31
